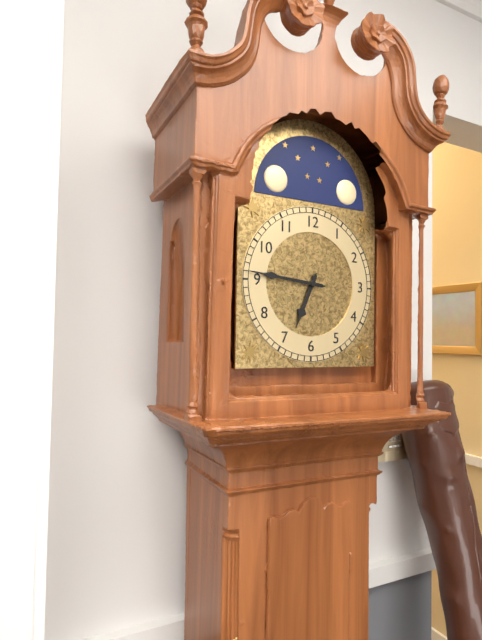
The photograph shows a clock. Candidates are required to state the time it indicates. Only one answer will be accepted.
6:46
